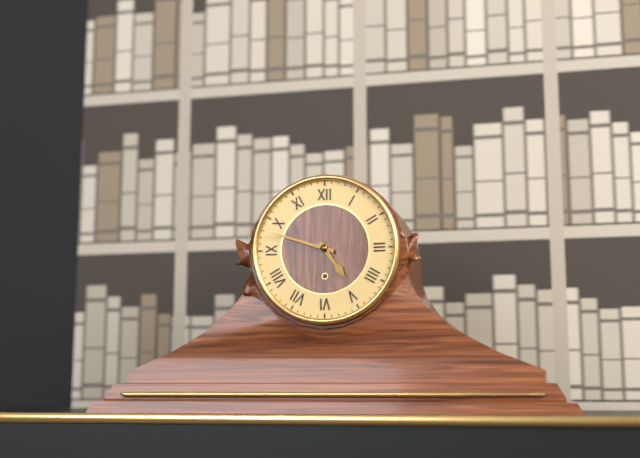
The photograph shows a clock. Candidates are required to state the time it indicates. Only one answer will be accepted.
4:48
